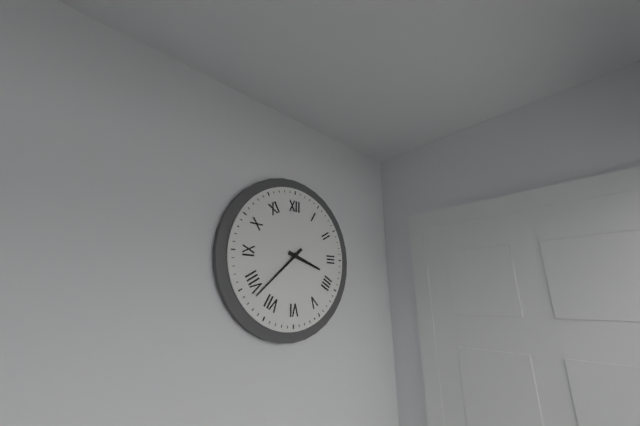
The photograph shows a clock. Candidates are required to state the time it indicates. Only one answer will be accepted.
3:38
